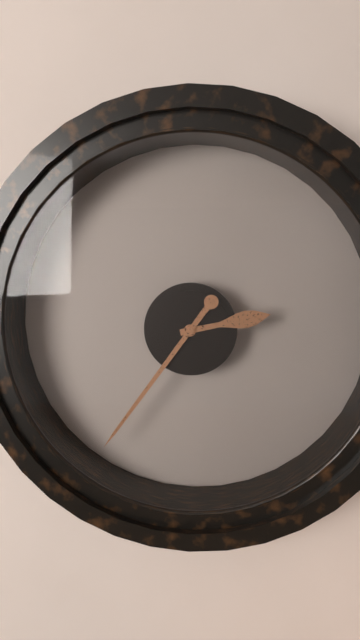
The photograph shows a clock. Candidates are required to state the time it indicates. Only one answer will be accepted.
2:36
